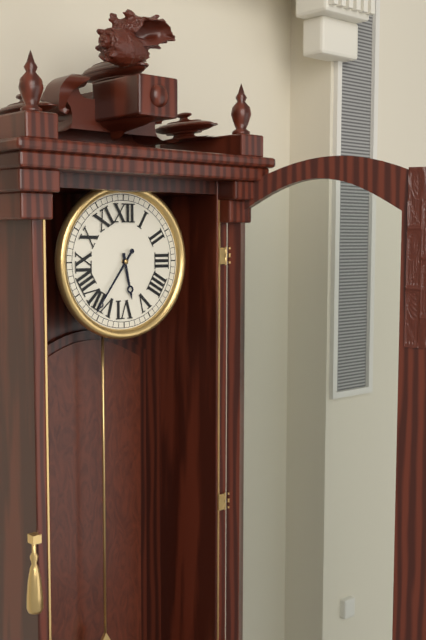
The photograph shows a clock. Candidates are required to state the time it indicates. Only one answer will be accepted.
5:36
